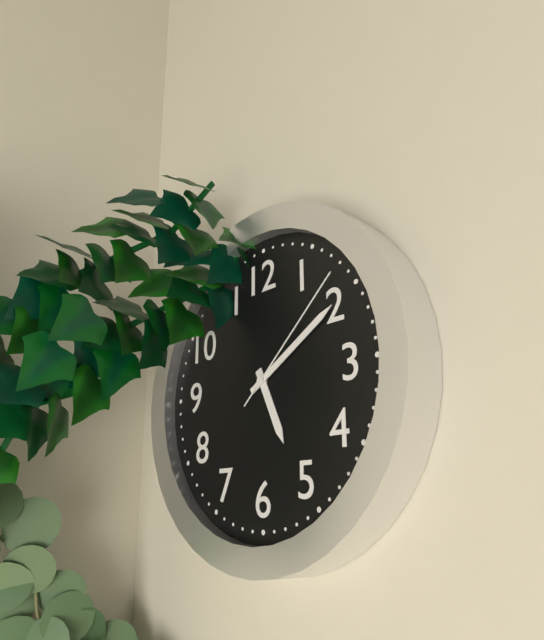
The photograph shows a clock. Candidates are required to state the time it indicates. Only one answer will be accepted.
5:10:08
